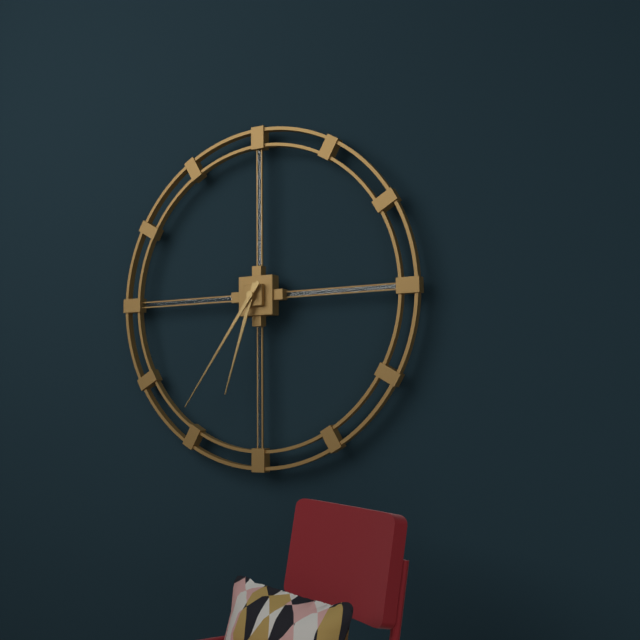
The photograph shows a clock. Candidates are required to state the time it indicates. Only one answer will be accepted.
6:36
